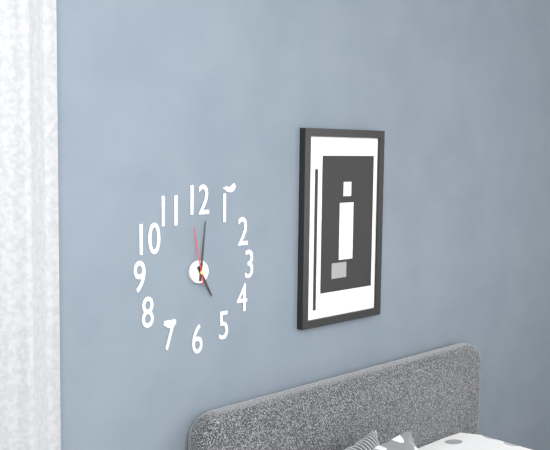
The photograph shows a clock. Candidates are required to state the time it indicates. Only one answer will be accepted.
5:01:58
